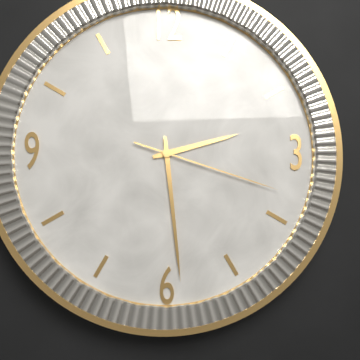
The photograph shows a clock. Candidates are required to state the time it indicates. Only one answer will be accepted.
2:29:18
